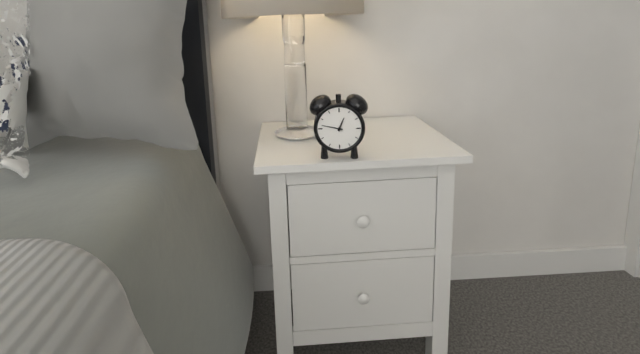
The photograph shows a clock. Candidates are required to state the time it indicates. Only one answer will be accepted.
12:47
